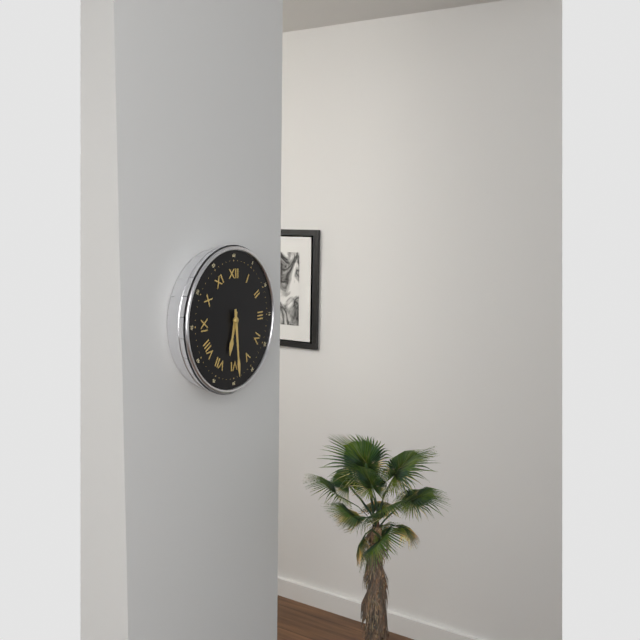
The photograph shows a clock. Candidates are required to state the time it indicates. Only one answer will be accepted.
6:29
